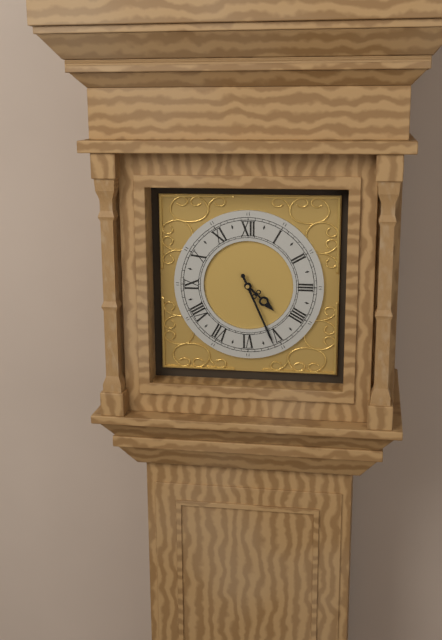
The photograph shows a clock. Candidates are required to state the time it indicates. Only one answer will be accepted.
4:26
